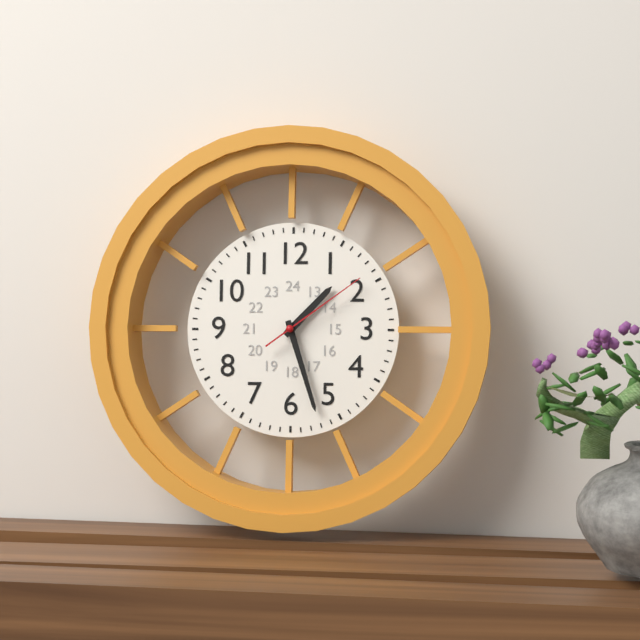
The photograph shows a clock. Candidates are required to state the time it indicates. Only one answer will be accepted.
1:27:09
